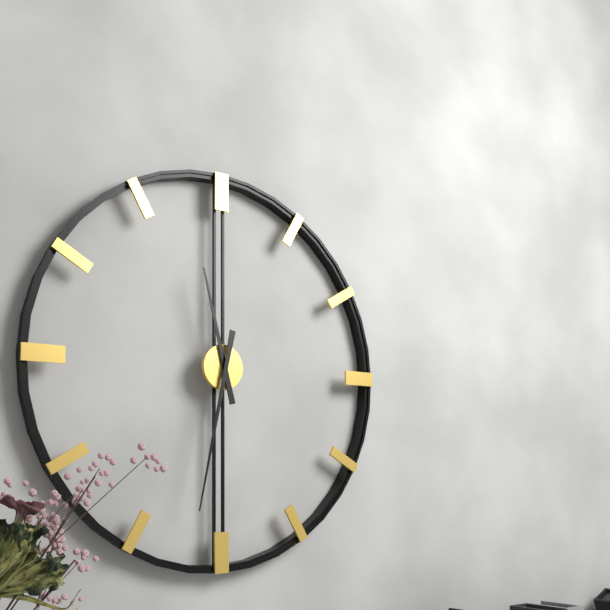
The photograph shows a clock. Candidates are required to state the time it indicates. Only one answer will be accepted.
11:32
